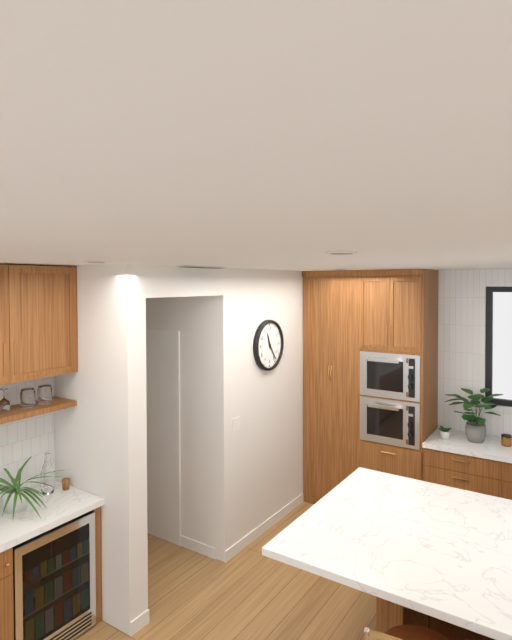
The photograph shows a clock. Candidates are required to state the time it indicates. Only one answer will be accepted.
11:24
